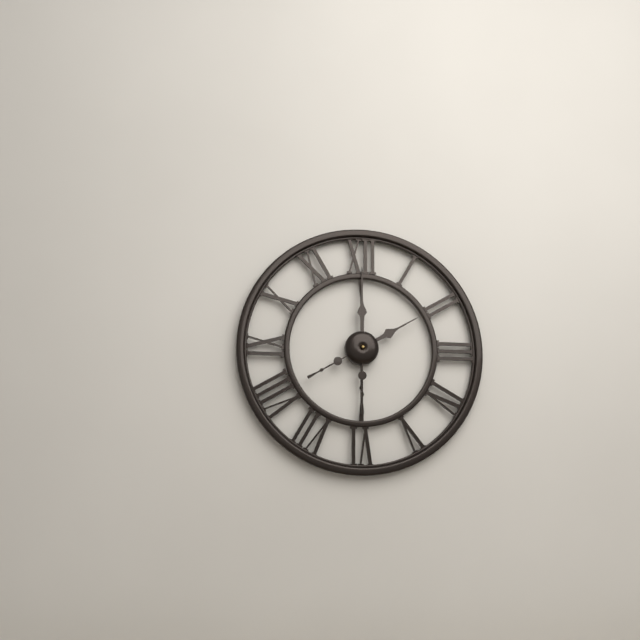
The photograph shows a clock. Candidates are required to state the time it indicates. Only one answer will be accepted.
2:00
